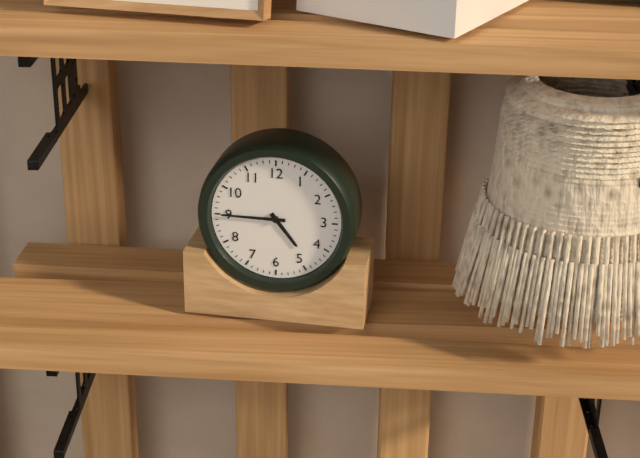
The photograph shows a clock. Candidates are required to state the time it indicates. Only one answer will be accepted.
4:45
